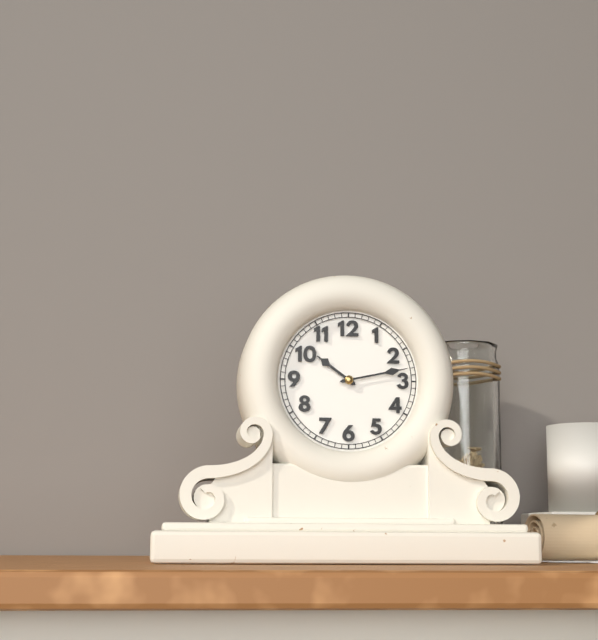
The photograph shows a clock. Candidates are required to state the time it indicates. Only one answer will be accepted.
10:13
